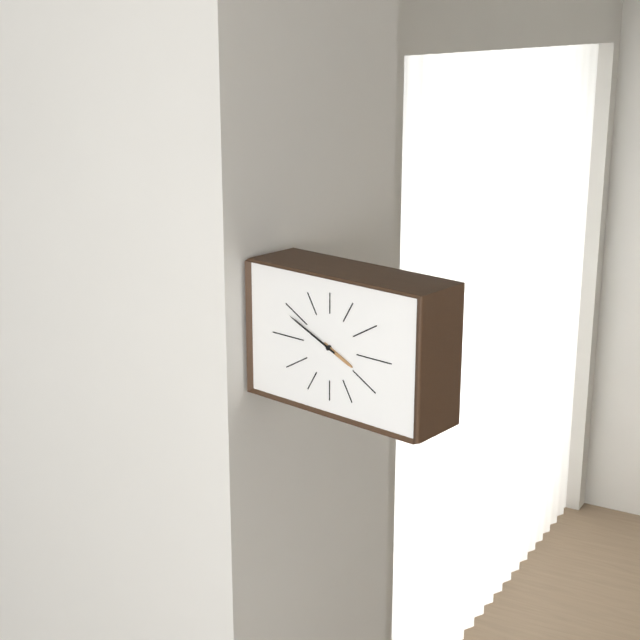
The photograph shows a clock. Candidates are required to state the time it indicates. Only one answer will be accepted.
3:49
